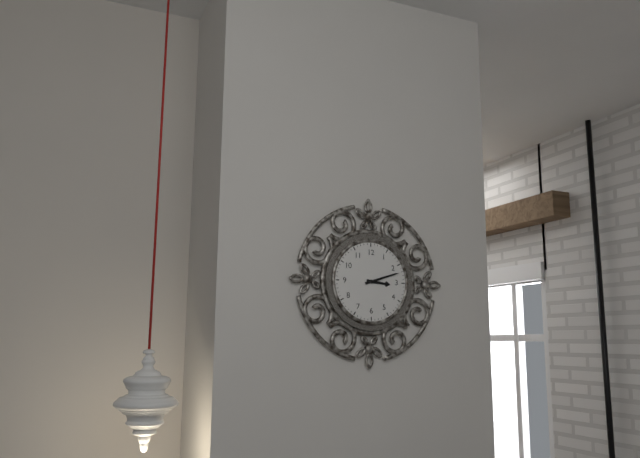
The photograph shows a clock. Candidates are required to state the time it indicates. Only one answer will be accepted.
3:12
